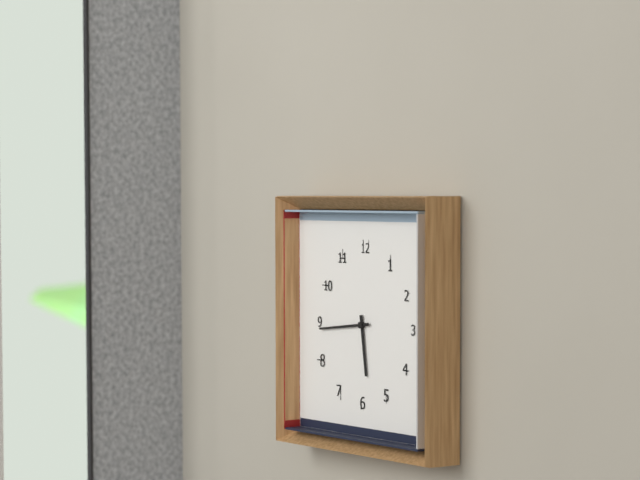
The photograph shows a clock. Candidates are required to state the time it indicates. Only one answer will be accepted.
5:44
